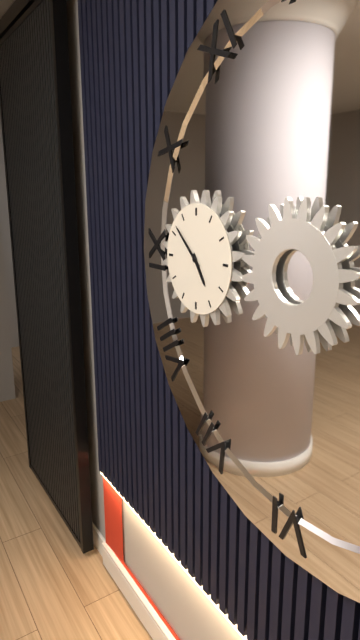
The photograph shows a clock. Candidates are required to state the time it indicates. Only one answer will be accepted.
4:52
